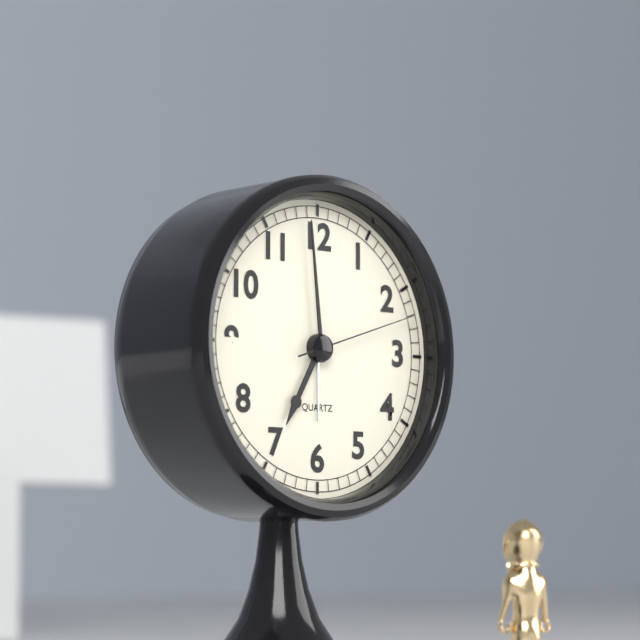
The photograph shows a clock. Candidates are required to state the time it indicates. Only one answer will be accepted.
6:59:12
